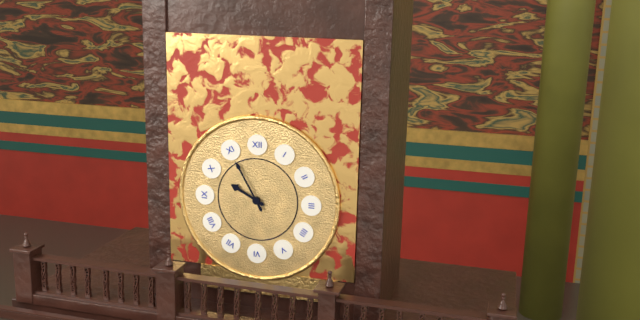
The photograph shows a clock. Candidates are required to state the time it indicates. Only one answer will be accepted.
9:55
